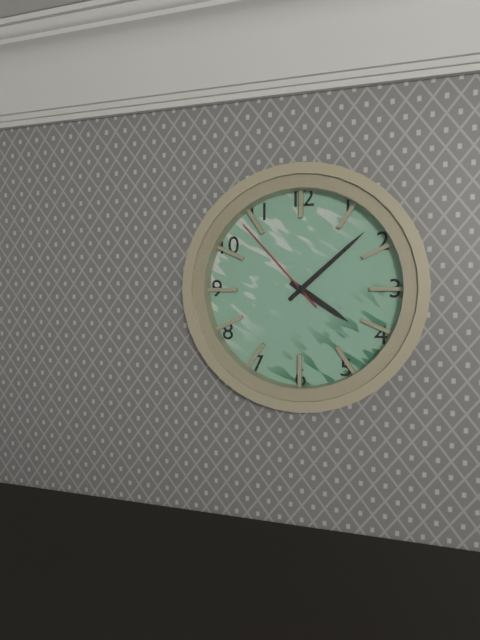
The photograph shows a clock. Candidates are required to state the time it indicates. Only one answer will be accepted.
4:08:53
